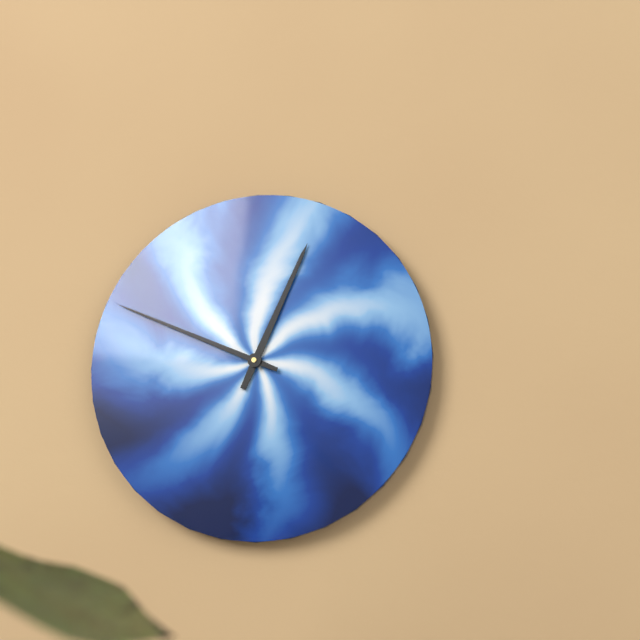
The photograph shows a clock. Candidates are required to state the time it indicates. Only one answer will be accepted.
12:49
